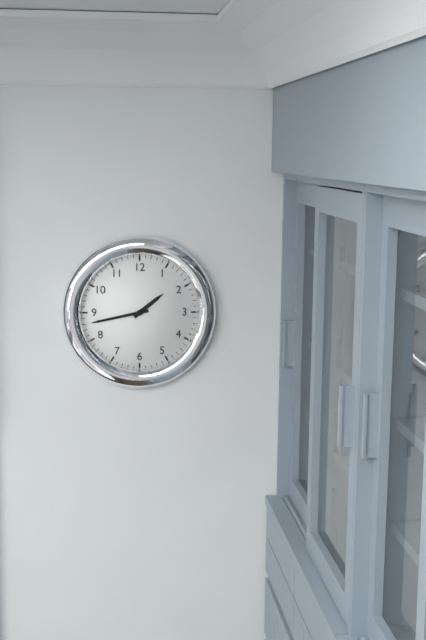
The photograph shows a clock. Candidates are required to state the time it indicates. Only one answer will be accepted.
1:43
